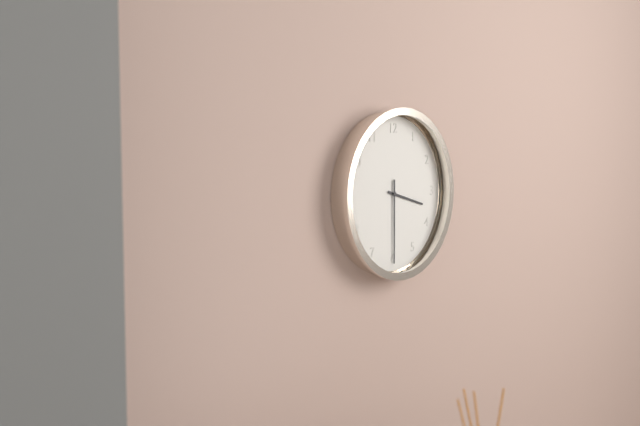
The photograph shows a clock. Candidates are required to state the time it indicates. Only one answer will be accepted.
3:30
